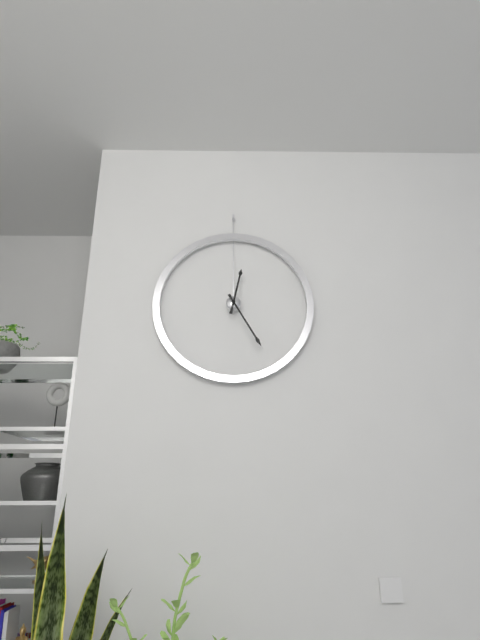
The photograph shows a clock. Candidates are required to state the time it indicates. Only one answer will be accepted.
12:25
